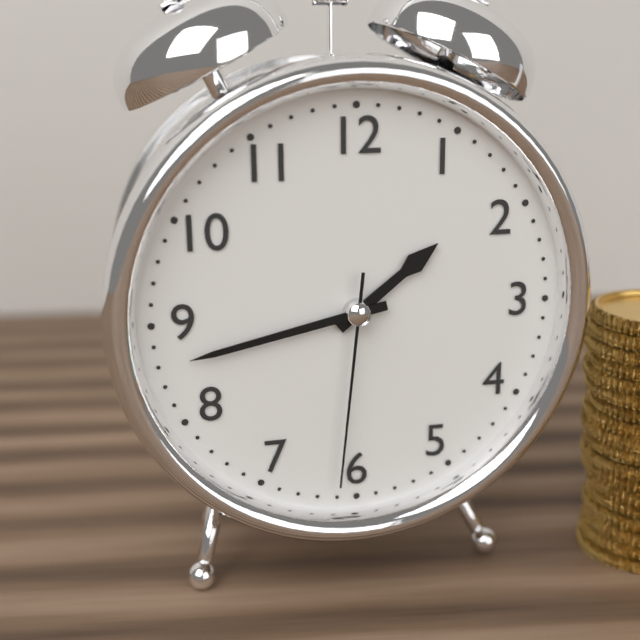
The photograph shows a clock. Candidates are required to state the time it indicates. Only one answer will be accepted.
1:43:31
